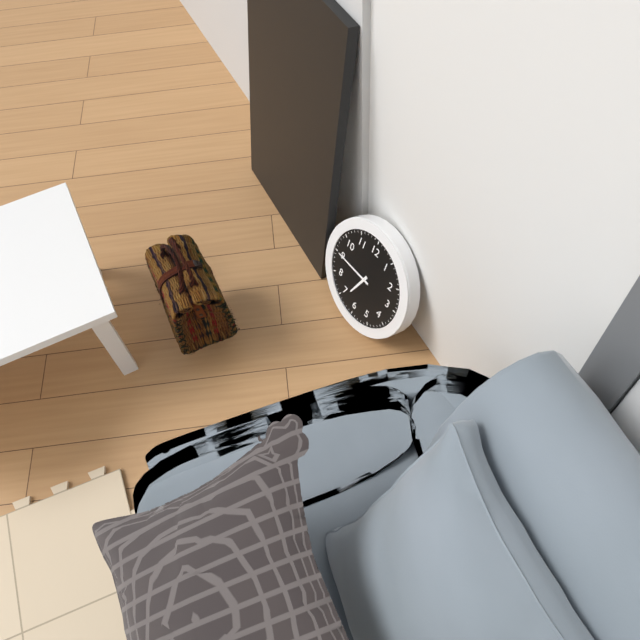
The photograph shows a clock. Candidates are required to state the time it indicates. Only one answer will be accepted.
6:45
